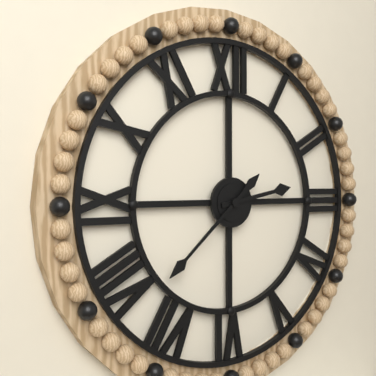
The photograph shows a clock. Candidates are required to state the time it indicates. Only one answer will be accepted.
2:38
